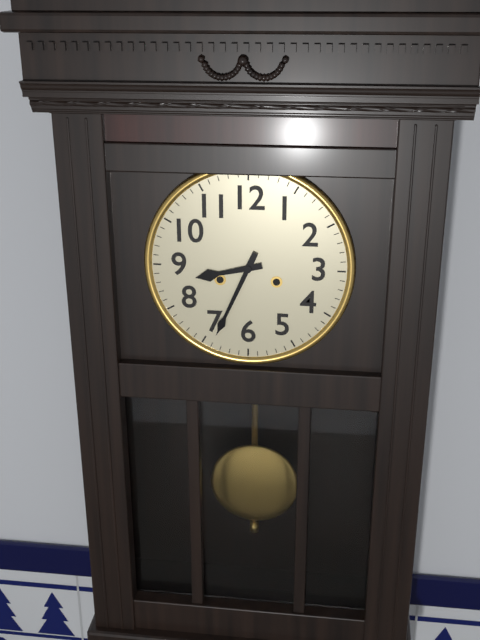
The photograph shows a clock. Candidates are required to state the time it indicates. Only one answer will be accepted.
8:34
